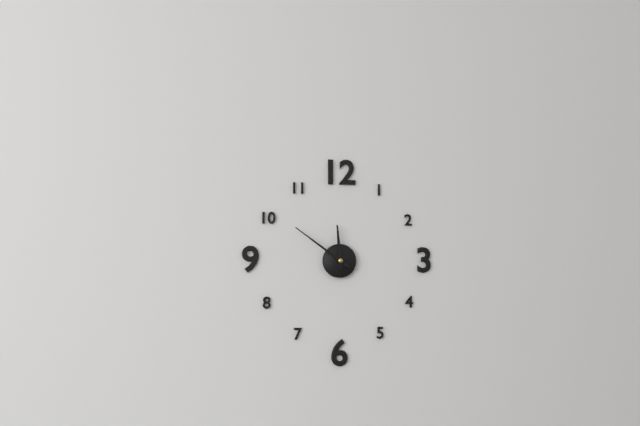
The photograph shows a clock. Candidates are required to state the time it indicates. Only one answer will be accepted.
11:51
